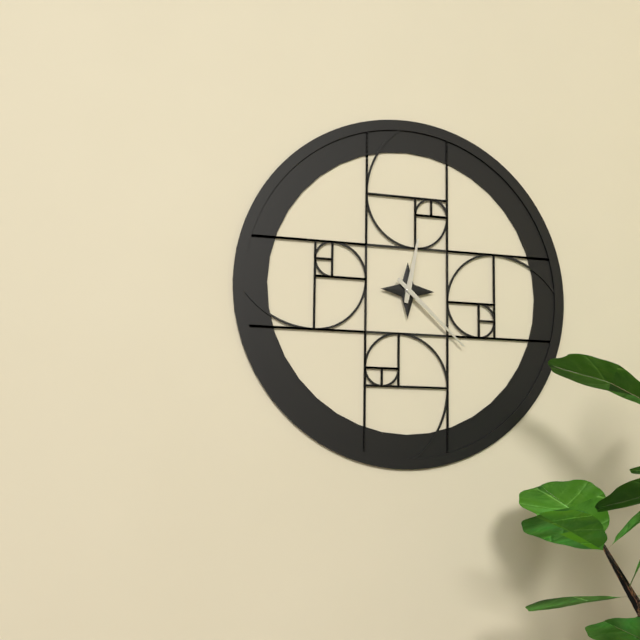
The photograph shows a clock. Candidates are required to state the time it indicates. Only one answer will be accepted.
12:22
